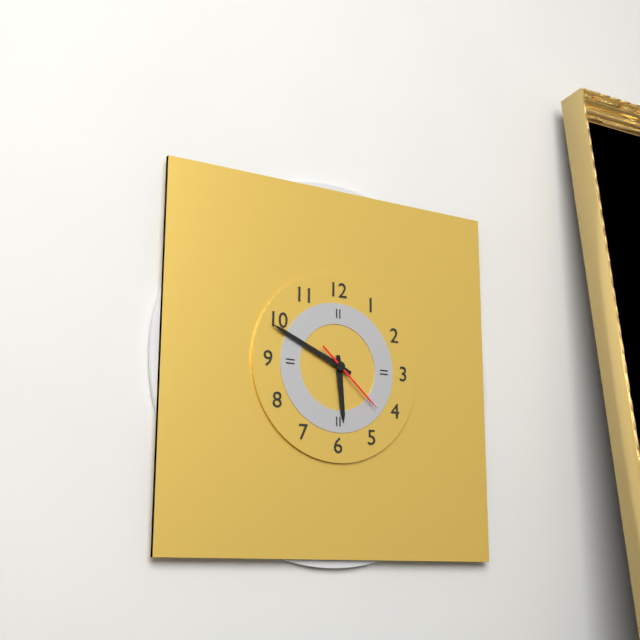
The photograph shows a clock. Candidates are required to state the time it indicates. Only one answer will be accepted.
5:49:22
